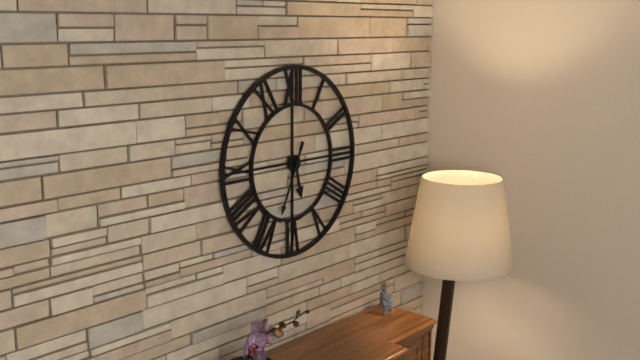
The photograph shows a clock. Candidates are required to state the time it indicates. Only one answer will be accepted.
5:34
